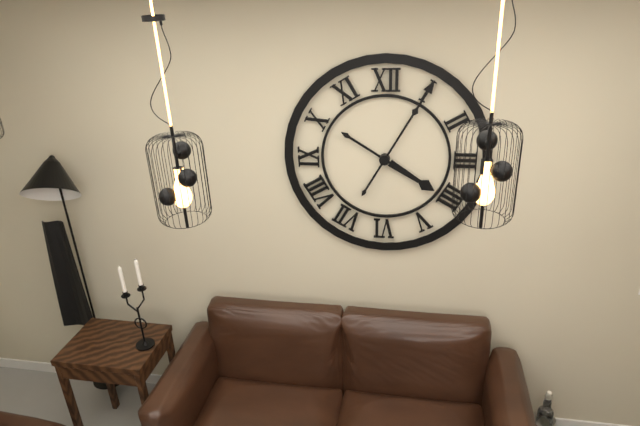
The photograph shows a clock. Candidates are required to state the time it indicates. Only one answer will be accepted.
4:05
